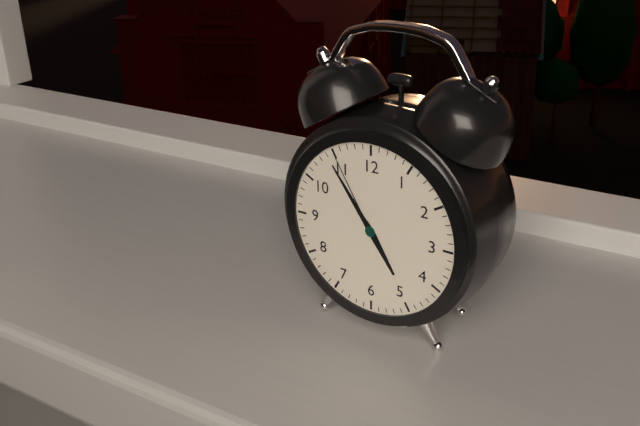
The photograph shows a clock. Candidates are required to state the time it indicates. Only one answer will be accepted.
4:54:55
